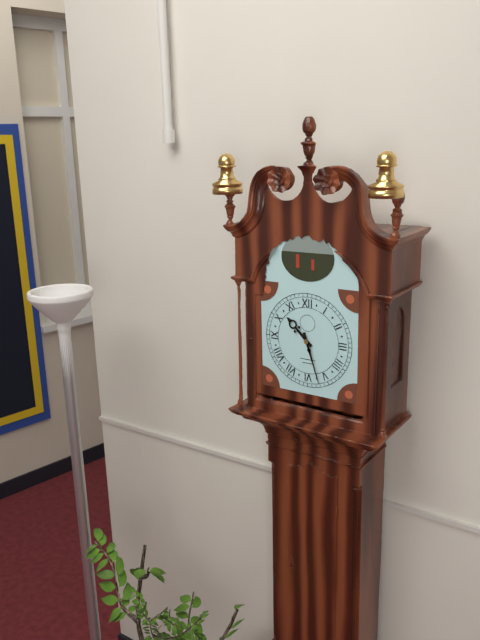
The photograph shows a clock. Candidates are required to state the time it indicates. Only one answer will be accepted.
10:27
